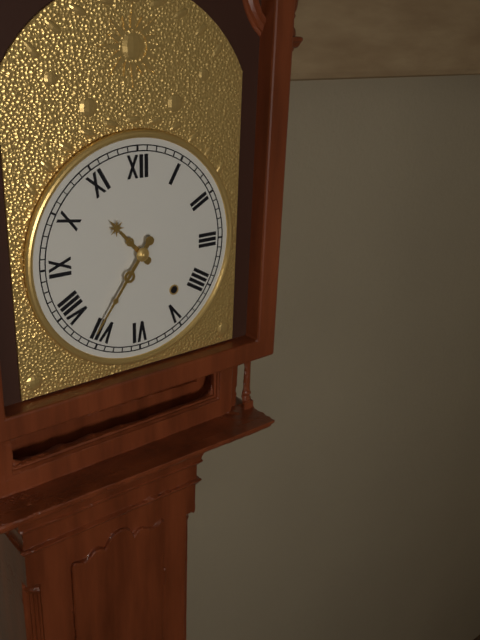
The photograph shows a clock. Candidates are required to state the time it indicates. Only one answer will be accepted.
10:36
